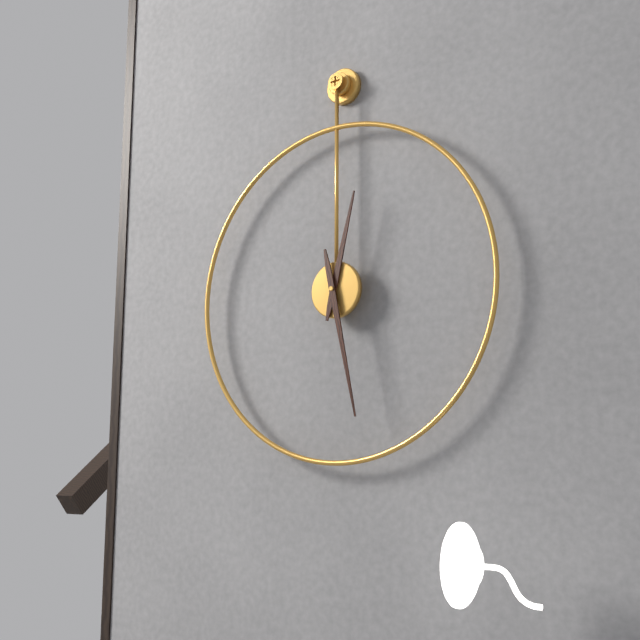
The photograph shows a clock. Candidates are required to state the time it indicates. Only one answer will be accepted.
12:28
